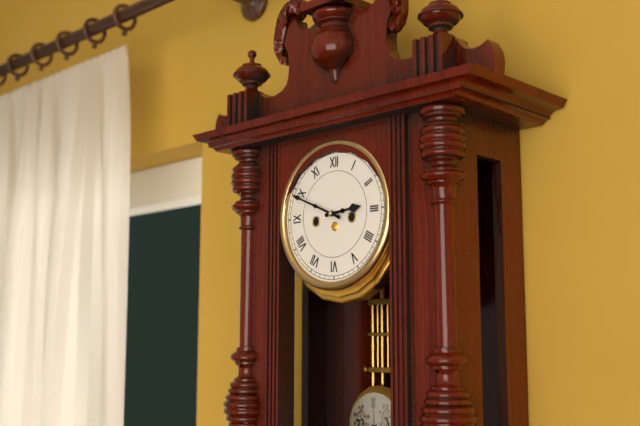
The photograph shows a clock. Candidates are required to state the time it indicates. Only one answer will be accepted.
2:49
